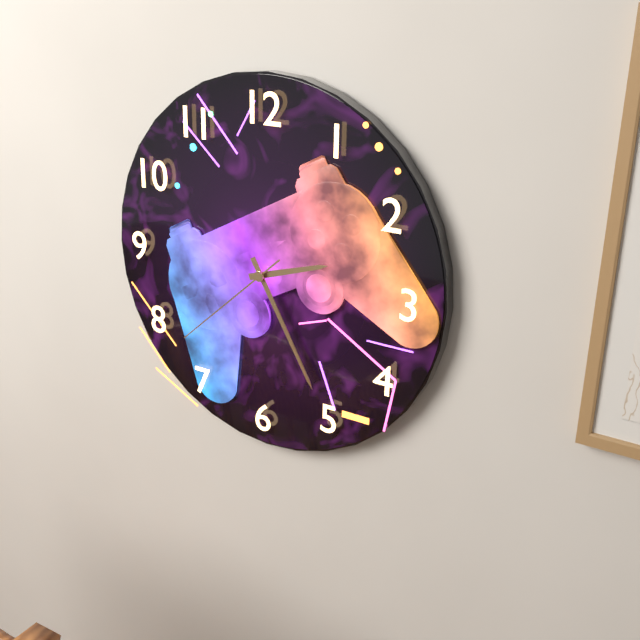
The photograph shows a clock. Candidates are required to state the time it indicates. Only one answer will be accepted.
2:25:38
